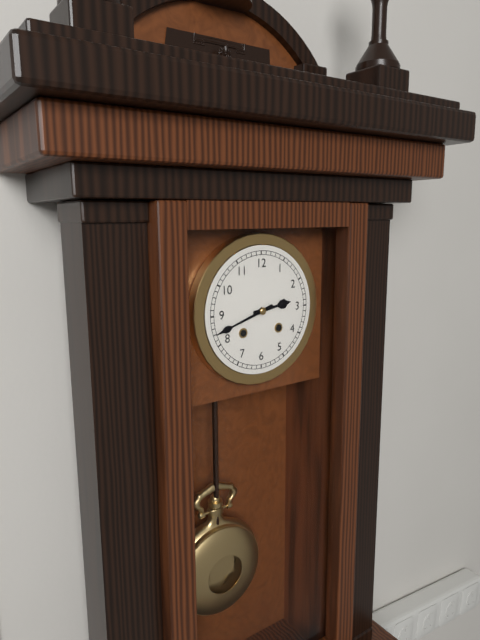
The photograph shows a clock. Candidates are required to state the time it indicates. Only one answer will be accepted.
2:42
